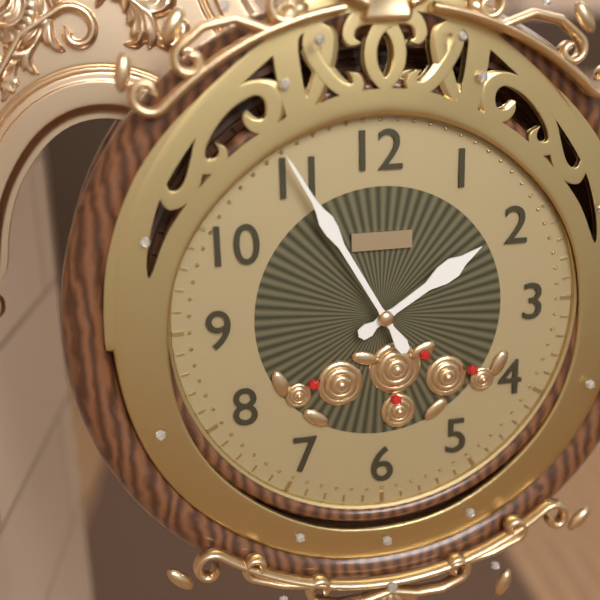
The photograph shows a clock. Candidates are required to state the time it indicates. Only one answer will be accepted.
1:55
